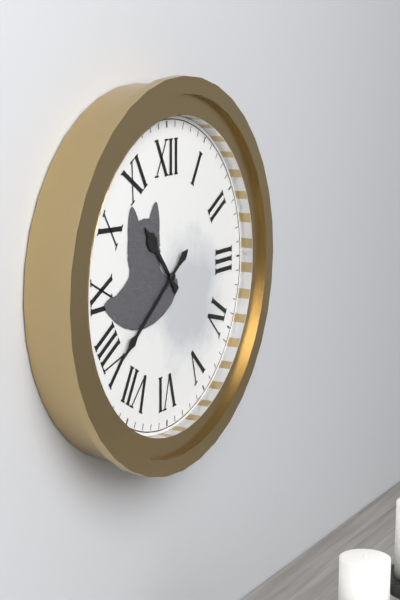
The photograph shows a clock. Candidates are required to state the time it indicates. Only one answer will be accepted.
10:39
